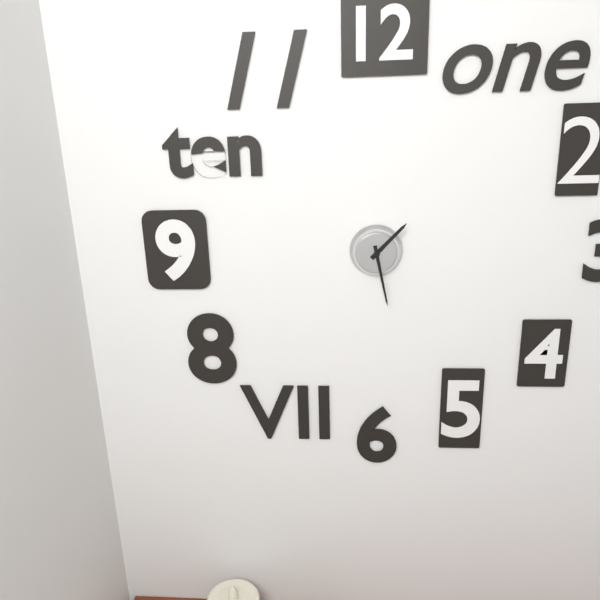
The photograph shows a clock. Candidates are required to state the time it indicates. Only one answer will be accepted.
1:28
